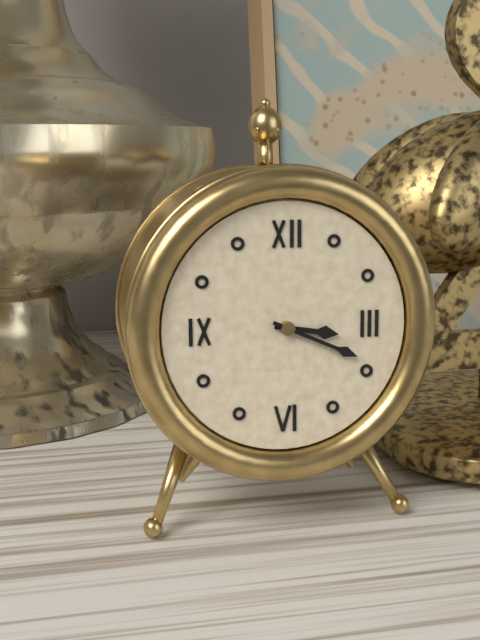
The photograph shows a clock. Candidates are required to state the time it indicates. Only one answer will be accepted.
3:19
